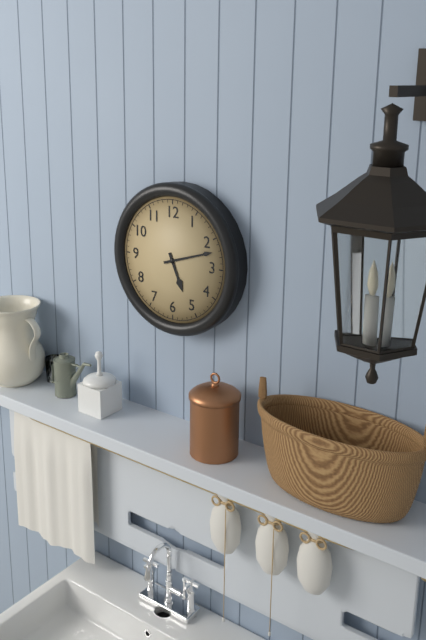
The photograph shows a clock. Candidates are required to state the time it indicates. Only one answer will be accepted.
5:12
